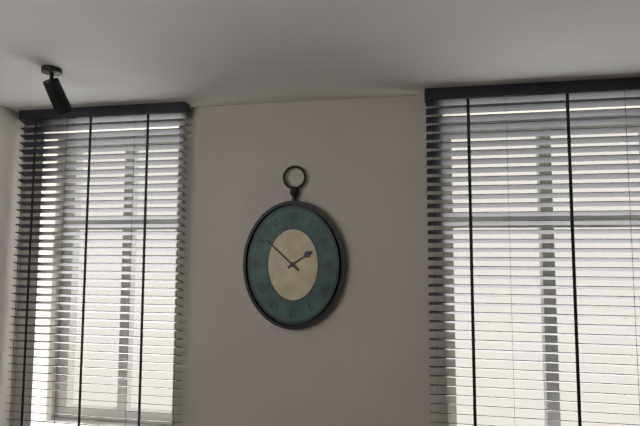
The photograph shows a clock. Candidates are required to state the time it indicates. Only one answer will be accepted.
1:52
